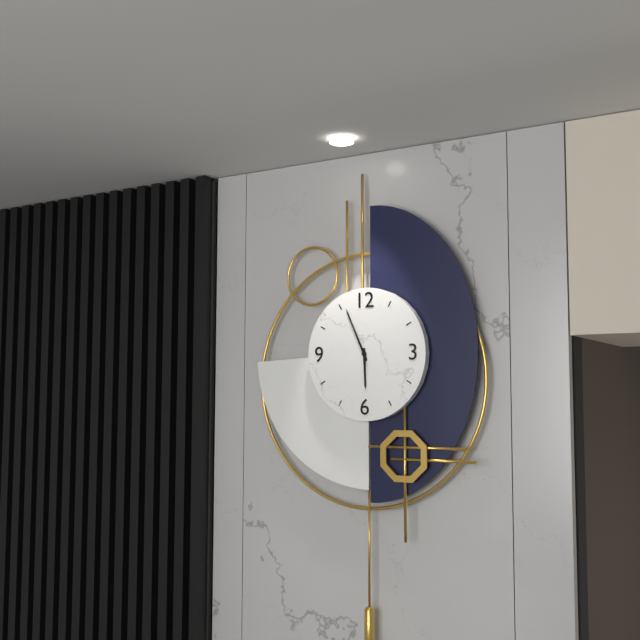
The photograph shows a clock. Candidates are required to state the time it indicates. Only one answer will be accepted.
5:56
